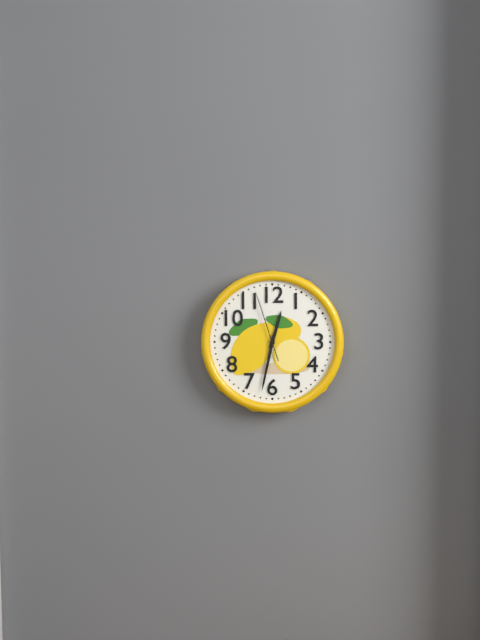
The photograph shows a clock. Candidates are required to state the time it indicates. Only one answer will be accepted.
12:32:57
